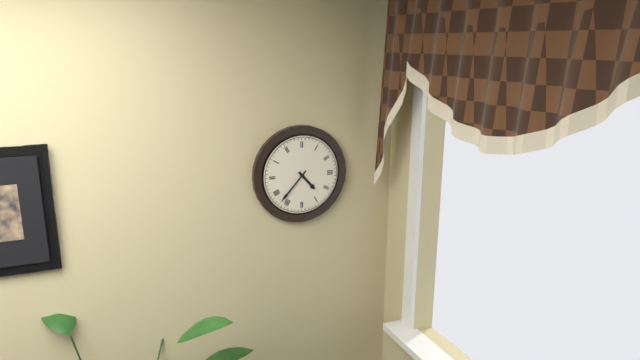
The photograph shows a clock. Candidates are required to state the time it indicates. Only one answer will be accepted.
4:37
